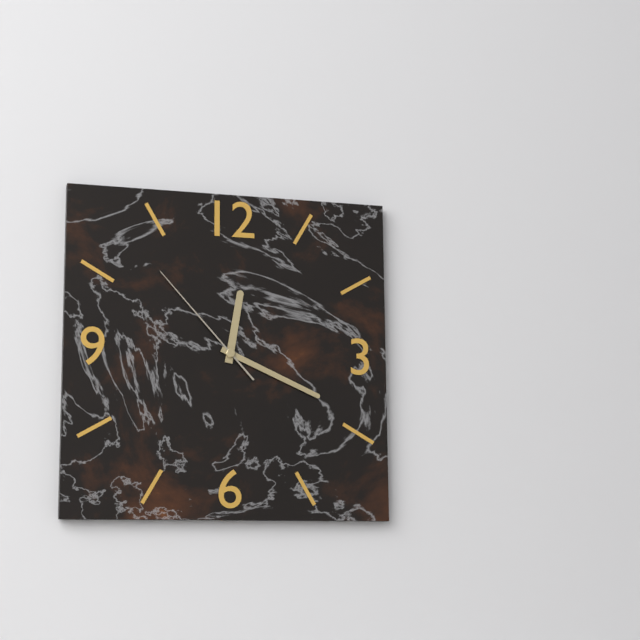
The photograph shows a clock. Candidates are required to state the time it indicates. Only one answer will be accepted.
12:19:53
